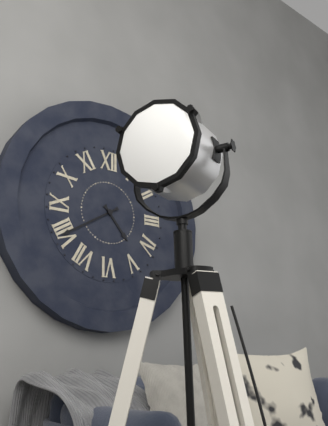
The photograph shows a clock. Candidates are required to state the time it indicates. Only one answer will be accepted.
4:40
